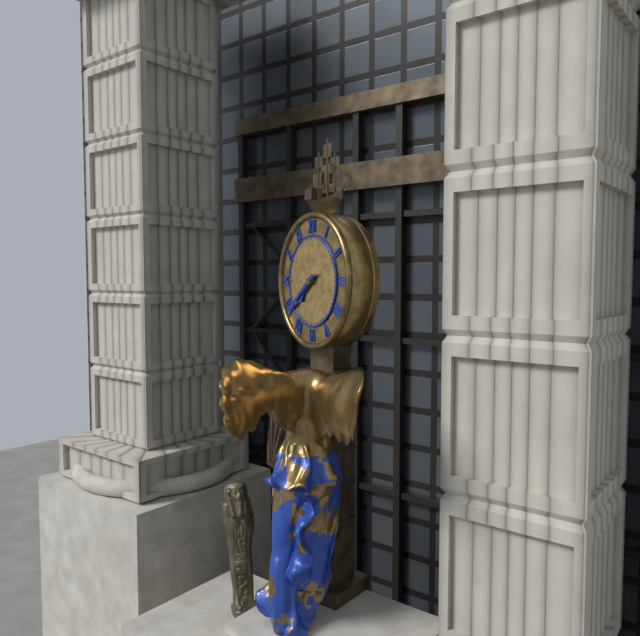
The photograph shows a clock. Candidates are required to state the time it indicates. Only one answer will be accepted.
7:39
